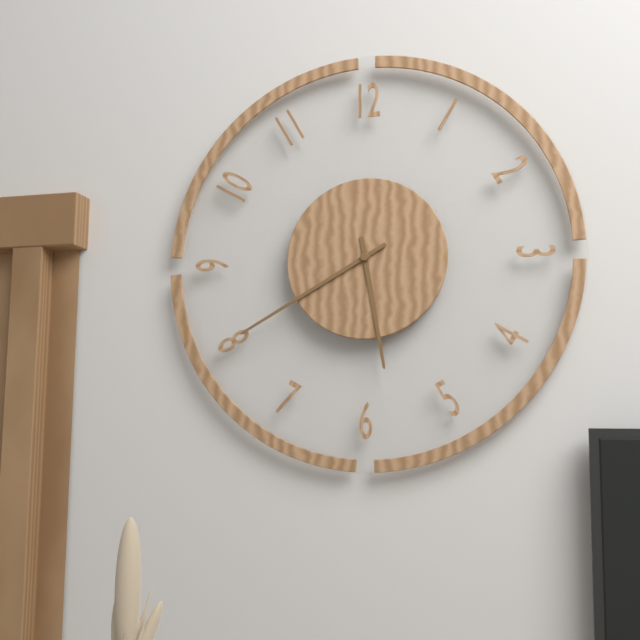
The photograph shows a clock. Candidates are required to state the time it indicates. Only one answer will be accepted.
5:40
